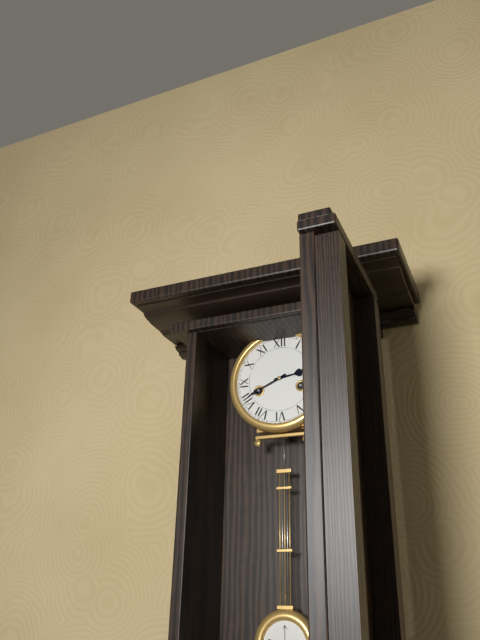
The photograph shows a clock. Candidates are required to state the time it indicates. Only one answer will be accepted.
2:41
